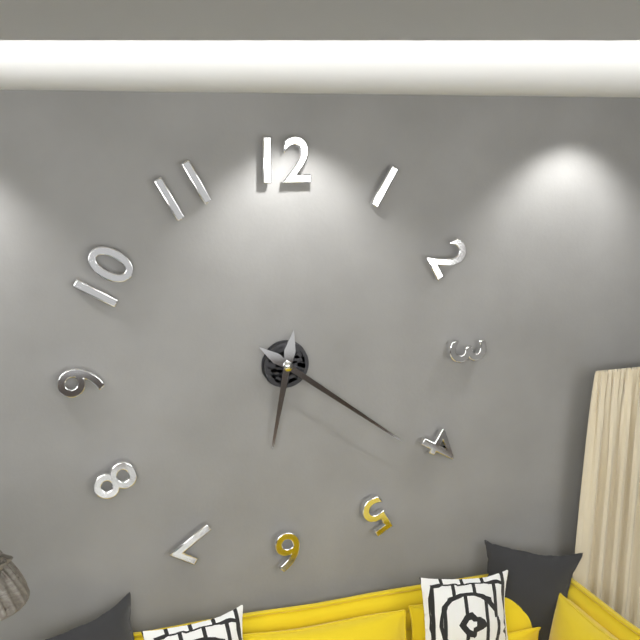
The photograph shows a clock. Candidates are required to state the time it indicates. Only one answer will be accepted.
6:21
